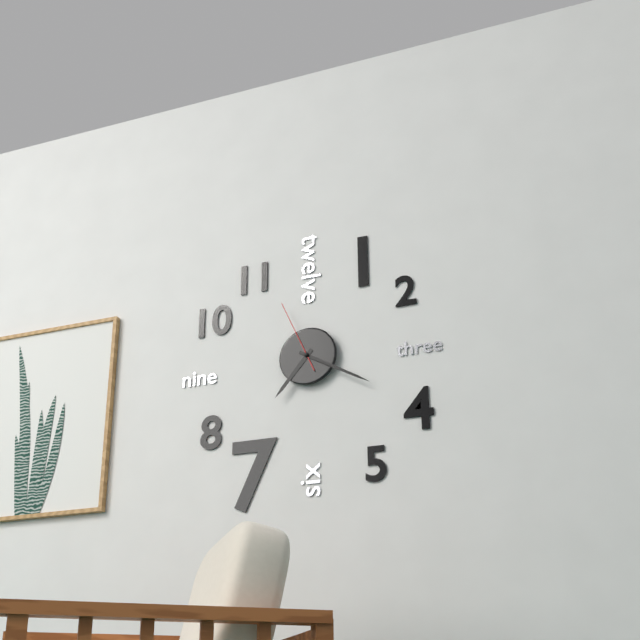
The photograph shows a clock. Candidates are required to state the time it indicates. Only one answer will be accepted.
7:20:56
